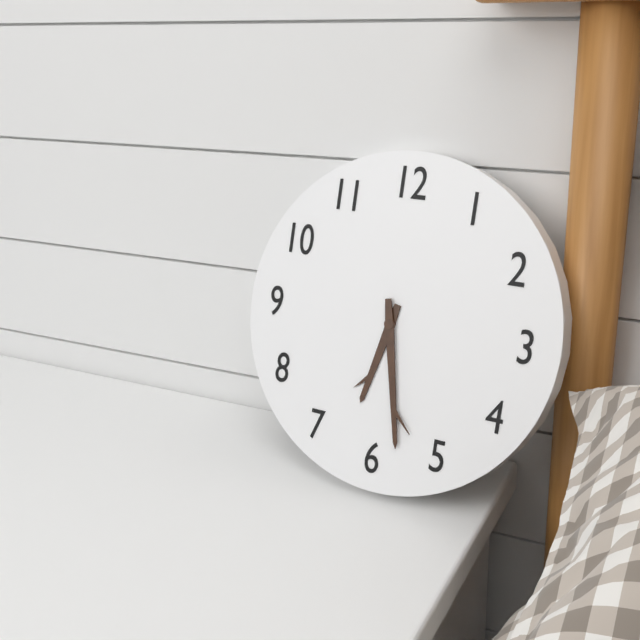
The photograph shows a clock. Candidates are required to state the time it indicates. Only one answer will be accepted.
6:28
